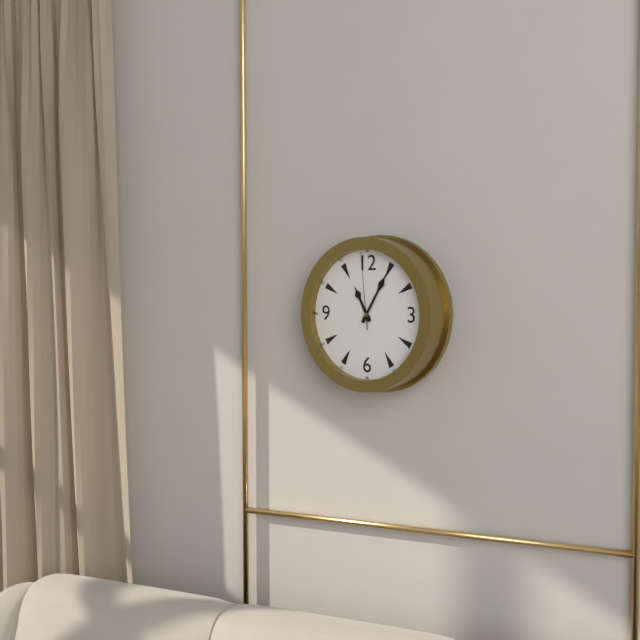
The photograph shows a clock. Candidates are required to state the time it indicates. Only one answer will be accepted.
11:05:59
